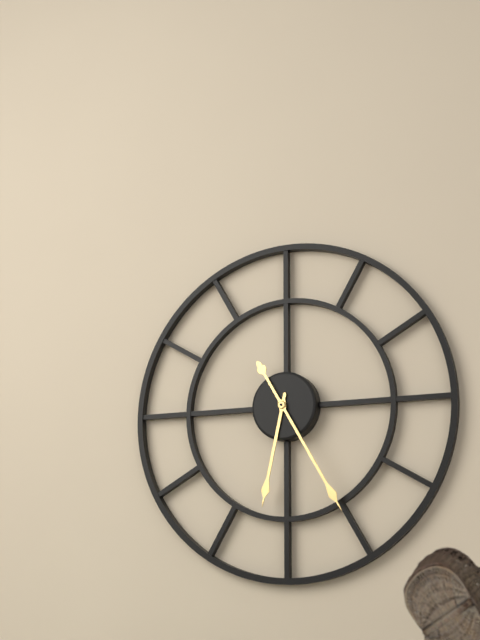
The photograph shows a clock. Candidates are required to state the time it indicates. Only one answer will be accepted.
6:25
